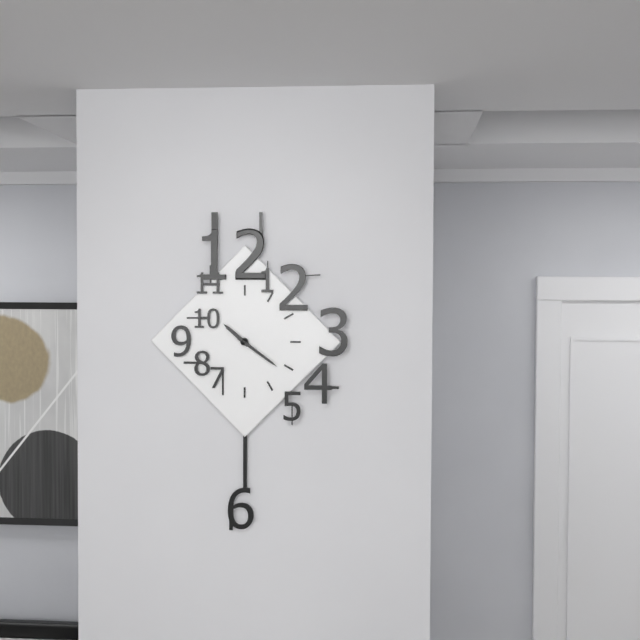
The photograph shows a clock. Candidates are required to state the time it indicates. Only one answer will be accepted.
10:21
